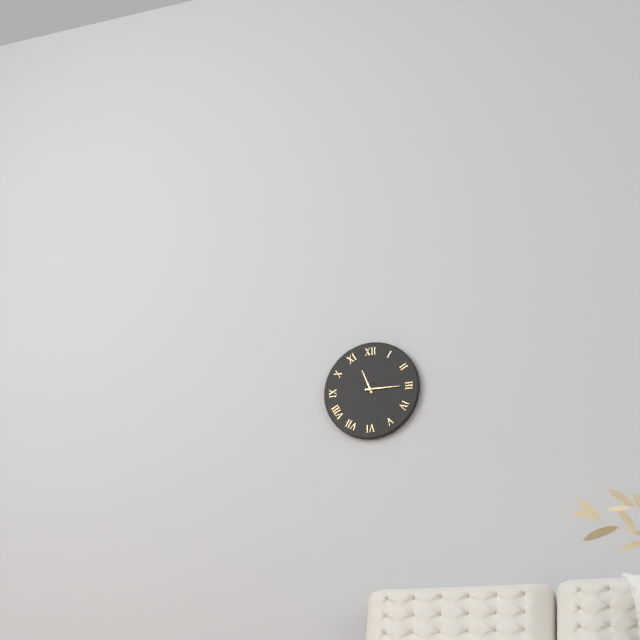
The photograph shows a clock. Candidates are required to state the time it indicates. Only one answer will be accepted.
11:15
